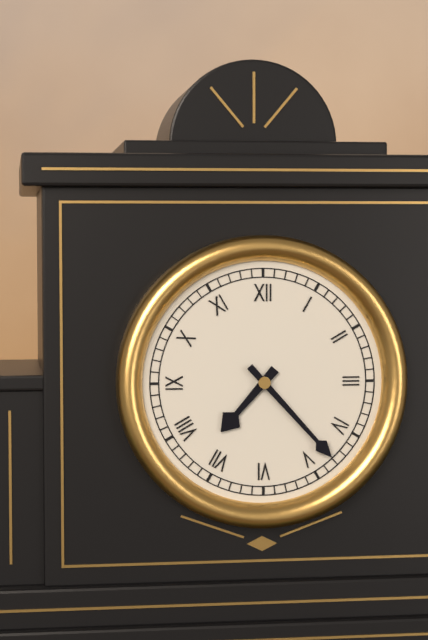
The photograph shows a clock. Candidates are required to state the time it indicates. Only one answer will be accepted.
7:23
